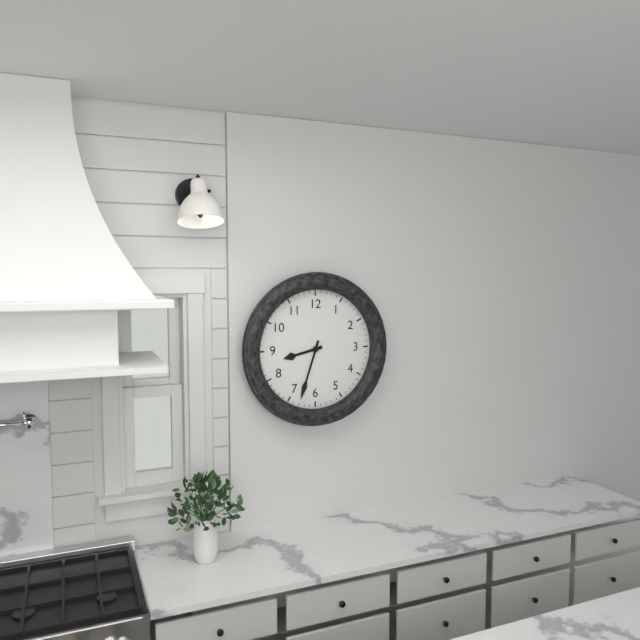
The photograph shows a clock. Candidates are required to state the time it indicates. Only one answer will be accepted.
8:33
